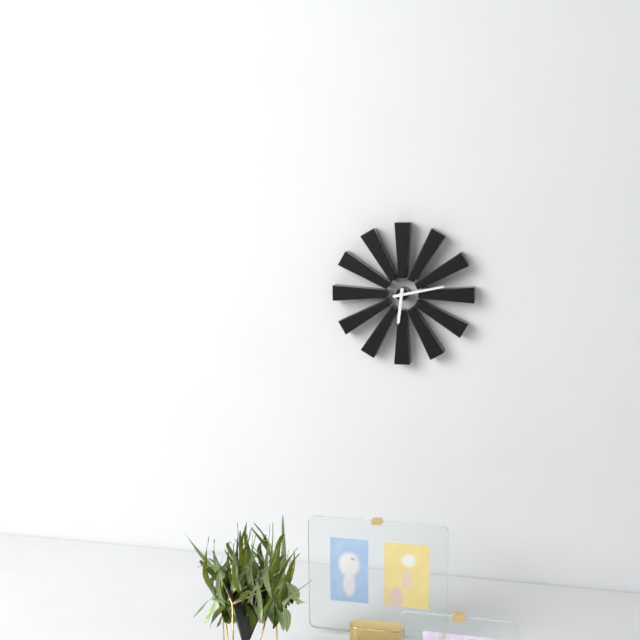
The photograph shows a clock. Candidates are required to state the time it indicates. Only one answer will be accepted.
6:13
